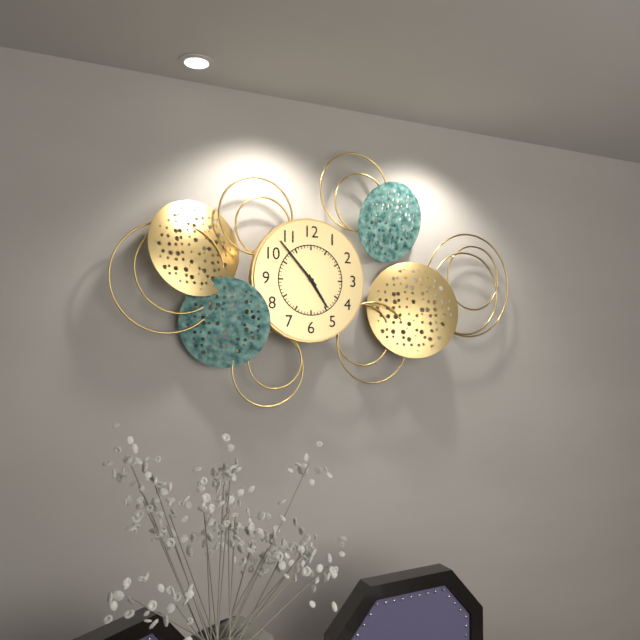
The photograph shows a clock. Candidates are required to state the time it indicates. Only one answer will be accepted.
4:53
